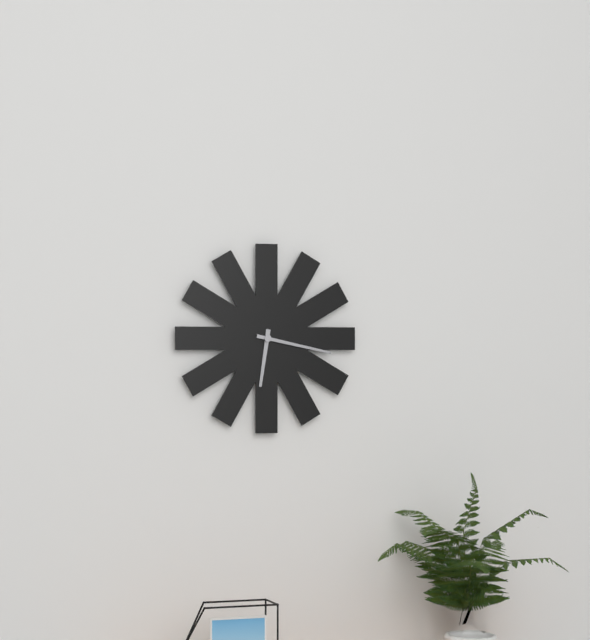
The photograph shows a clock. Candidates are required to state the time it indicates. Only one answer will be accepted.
6:17
